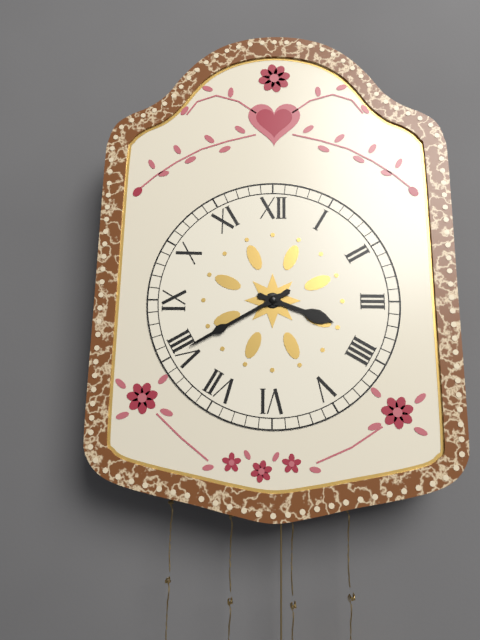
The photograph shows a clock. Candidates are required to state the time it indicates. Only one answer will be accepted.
3:40
